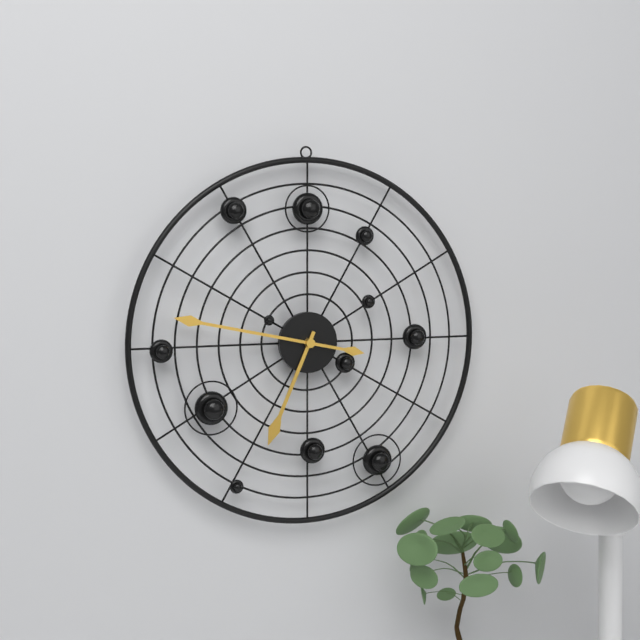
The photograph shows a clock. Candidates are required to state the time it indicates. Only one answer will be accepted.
6:47
